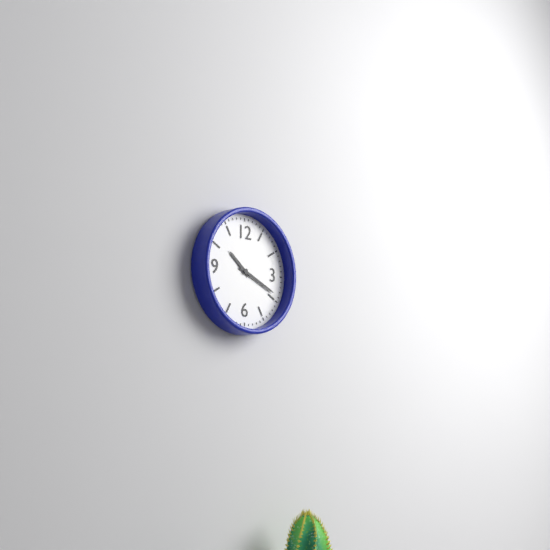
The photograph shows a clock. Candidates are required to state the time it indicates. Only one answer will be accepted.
10:19
